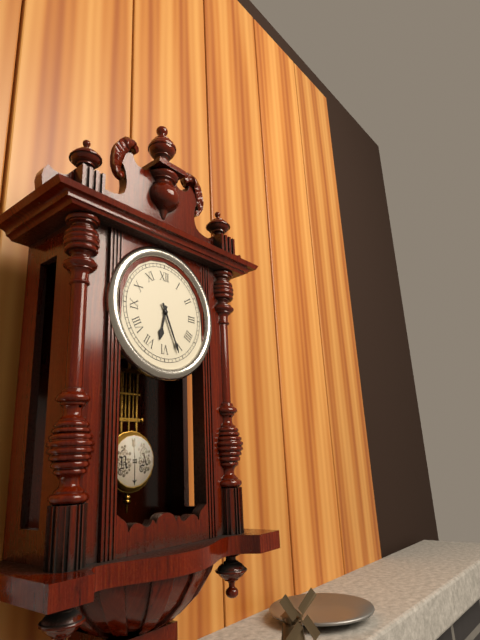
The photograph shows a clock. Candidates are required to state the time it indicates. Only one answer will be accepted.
6:26
